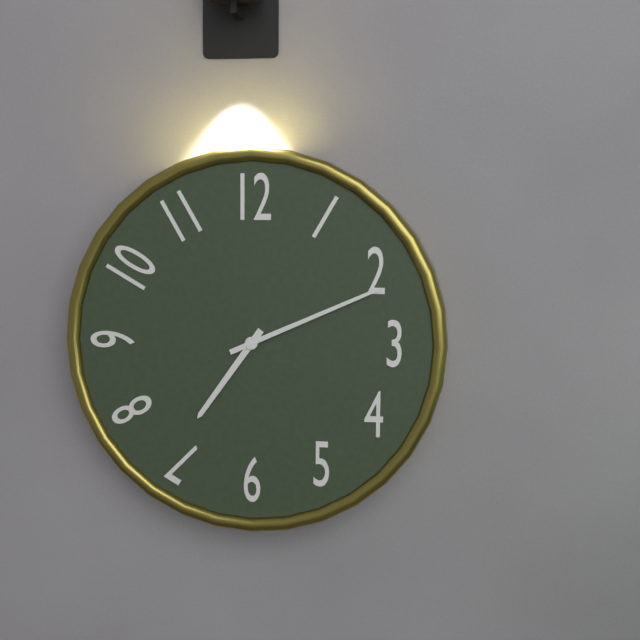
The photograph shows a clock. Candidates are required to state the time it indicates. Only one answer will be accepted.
7:11
